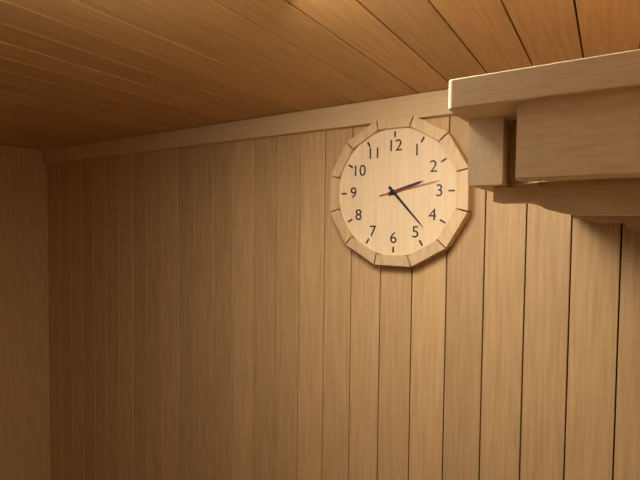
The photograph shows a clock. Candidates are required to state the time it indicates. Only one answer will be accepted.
2:23:13
